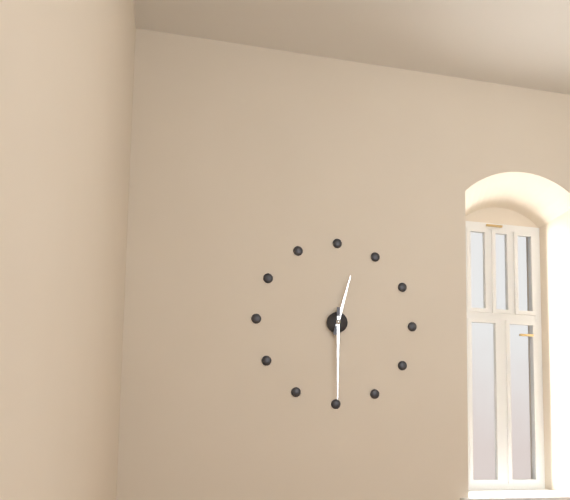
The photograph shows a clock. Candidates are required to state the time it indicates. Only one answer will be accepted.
12:30
